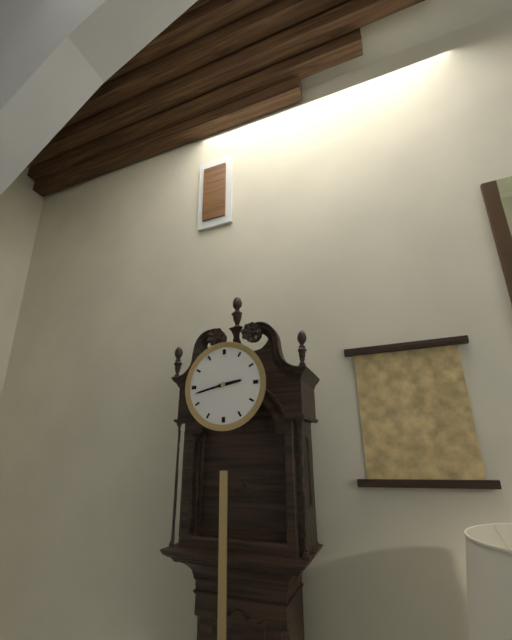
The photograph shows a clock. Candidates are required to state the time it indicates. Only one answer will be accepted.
2:43
